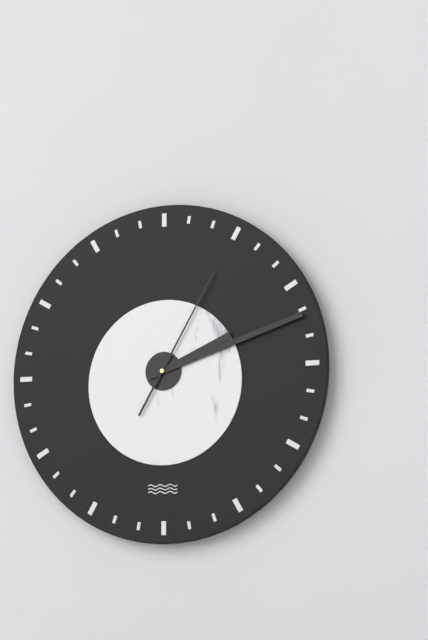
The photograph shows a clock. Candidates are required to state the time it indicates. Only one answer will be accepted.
2:12:05
